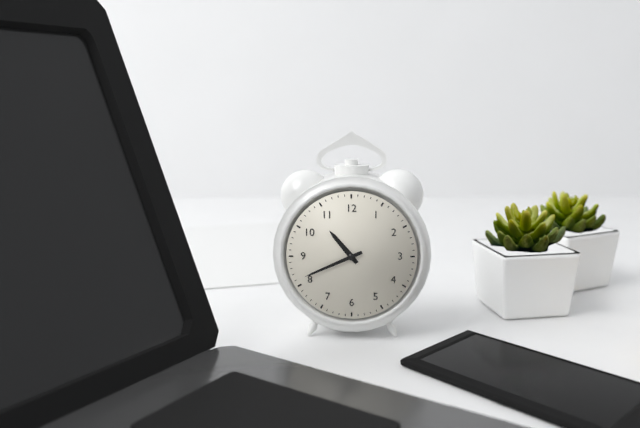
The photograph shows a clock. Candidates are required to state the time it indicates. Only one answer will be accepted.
10:41
